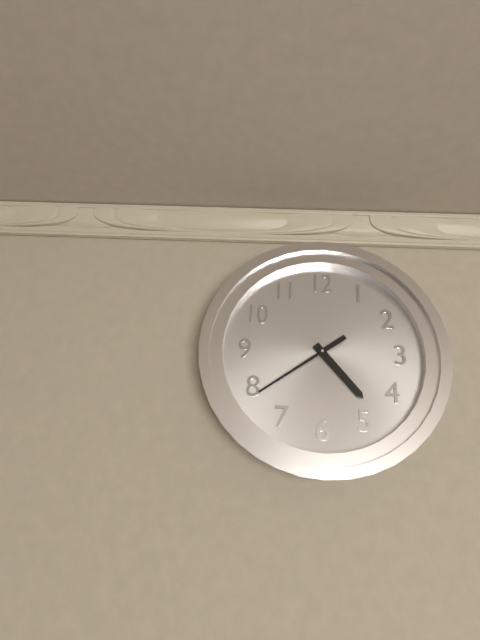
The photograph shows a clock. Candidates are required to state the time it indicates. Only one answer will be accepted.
4:39
